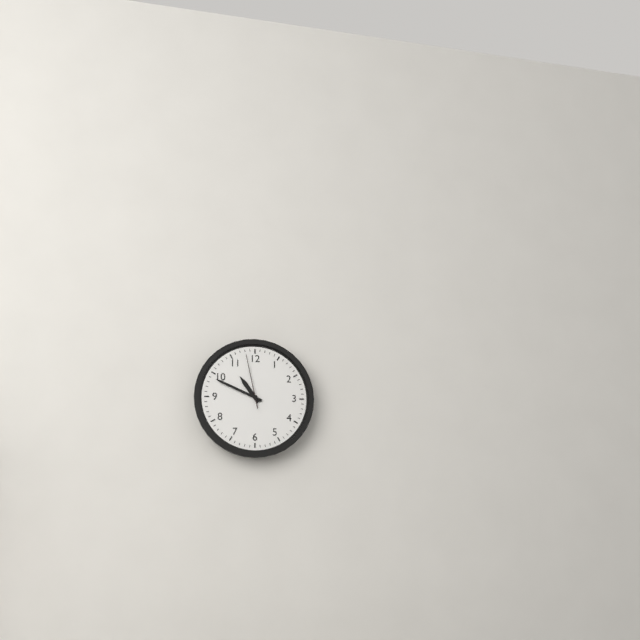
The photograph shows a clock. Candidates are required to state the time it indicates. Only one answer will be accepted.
10:49:58
